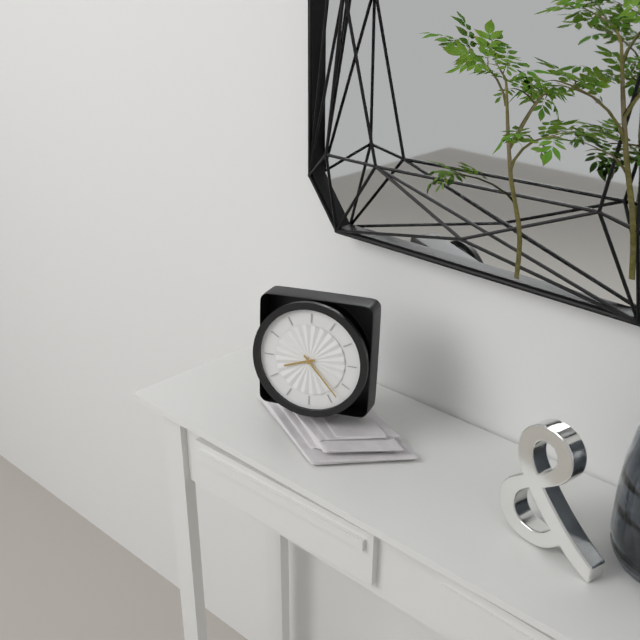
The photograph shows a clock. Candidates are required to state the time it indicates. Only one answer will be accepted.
8:23
